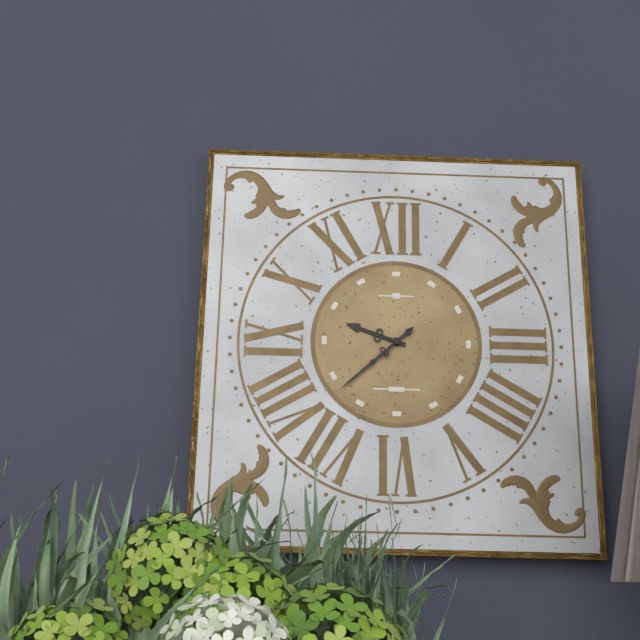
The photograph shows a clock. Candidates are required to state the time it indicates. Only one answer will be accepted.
9:38
